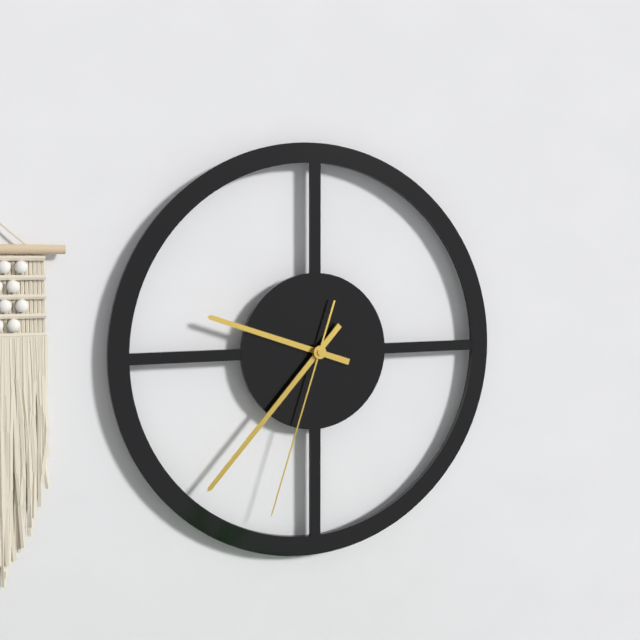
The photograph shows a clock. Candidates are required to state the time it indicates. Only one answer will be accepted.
9:37:33
